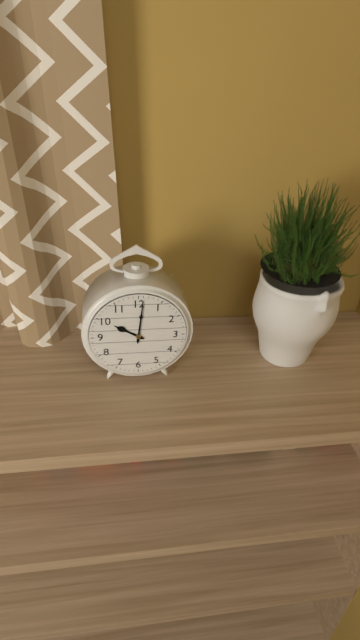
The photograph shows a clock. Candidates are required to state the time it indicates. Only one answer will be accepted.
10:01
